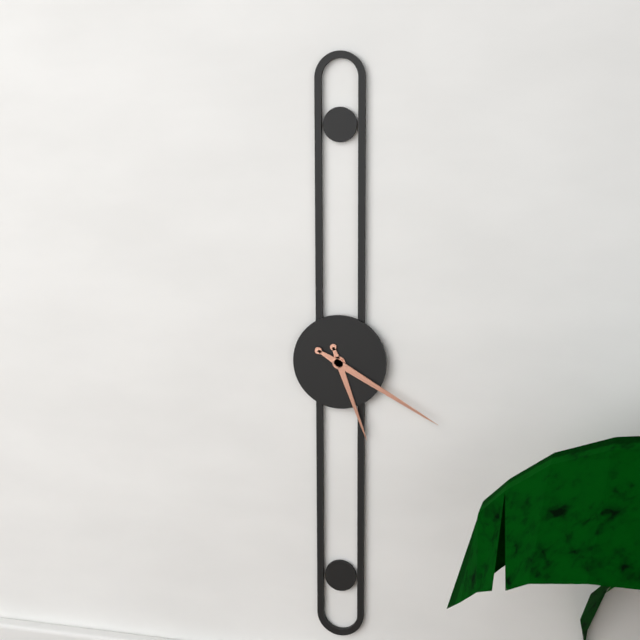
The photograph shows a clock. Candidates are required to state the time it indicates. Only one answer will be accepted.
5:20
